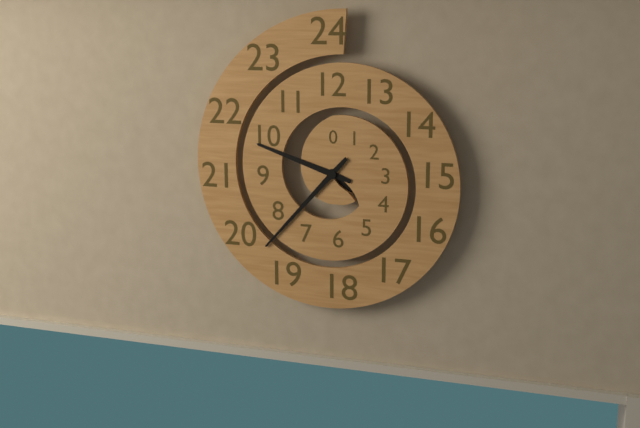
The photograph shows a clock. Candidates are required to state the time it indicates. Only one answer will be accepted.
9:37
